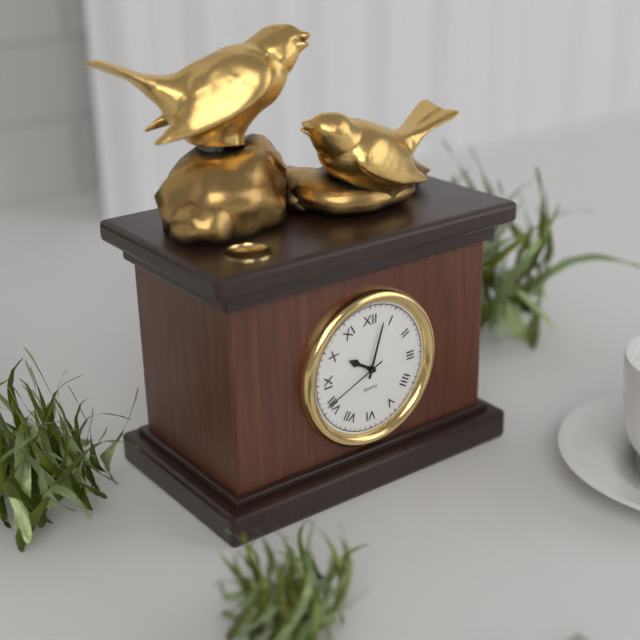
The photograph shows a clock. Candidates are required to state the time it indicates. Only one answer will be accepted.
10:03:41
